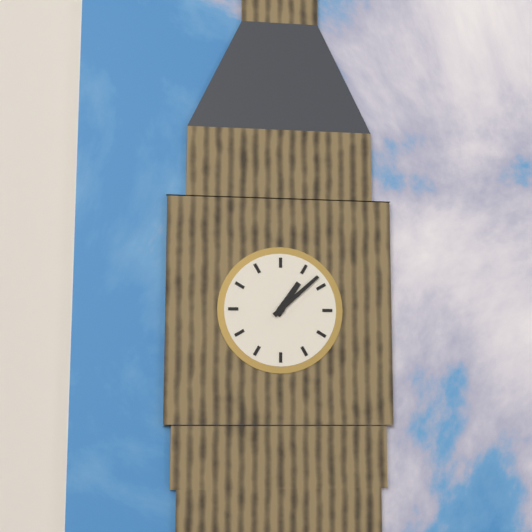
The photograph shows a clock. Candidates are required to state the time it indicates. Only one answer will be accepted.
1:08
